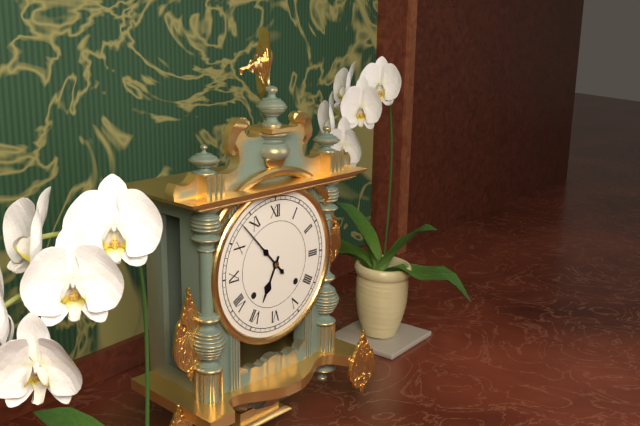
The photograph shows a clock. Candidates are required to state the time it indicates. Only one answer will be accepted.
6:53
